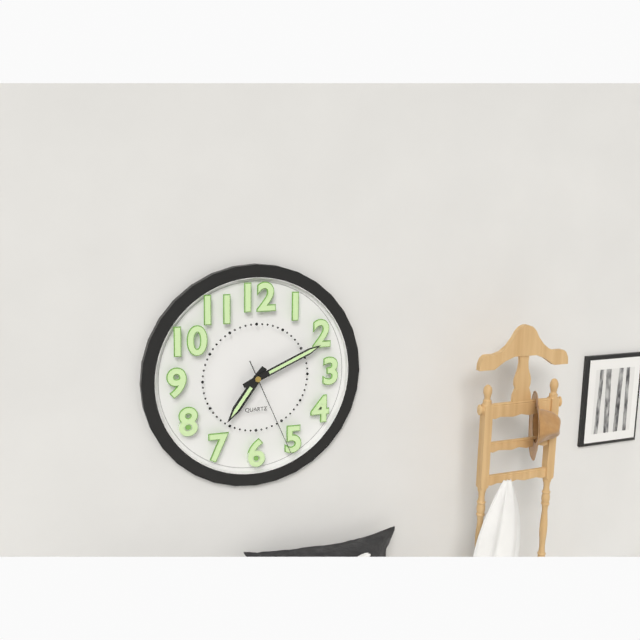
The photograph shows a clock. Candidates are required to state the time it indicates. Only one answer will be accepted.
7:11:26
